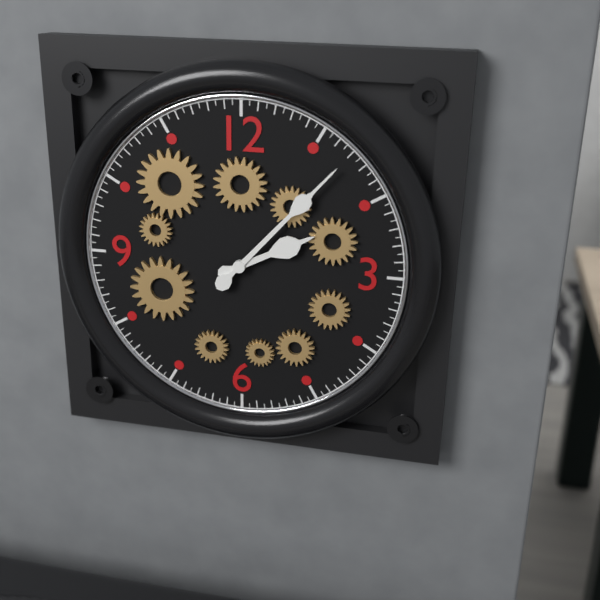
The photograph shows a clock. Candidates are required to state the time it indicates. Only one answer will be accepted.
2:07
